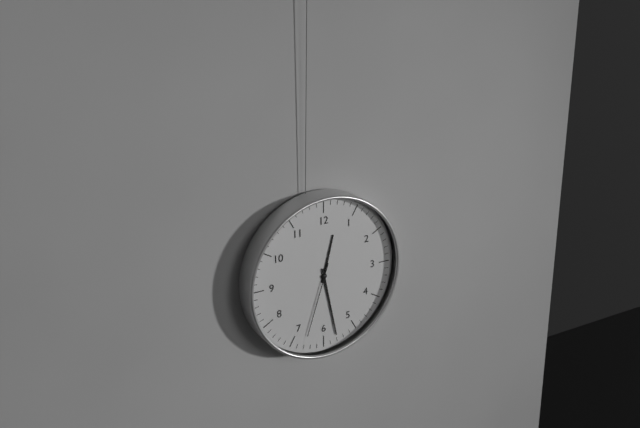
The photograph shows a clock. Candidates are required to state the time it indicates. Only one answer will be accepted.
12:28:33
